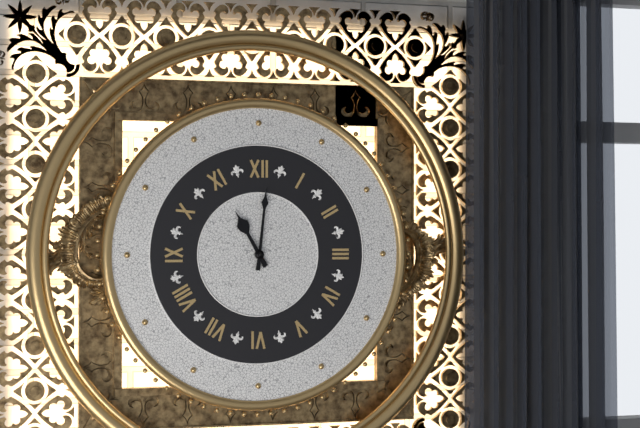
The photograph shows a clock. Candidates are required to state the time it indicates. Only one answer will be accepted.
11:01
